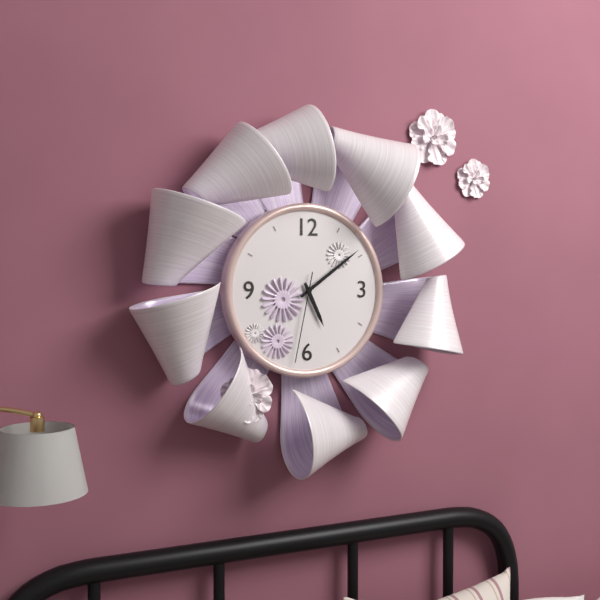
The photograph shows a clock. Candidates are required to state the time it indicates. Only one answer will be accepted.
5:09:32
